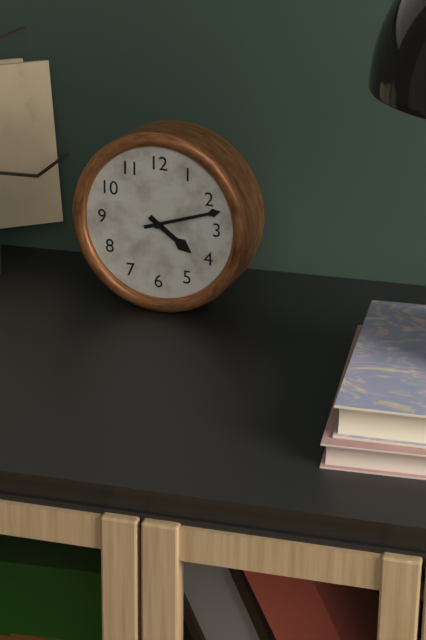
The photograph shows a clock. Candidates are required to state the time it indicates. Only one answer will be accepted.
4:12
